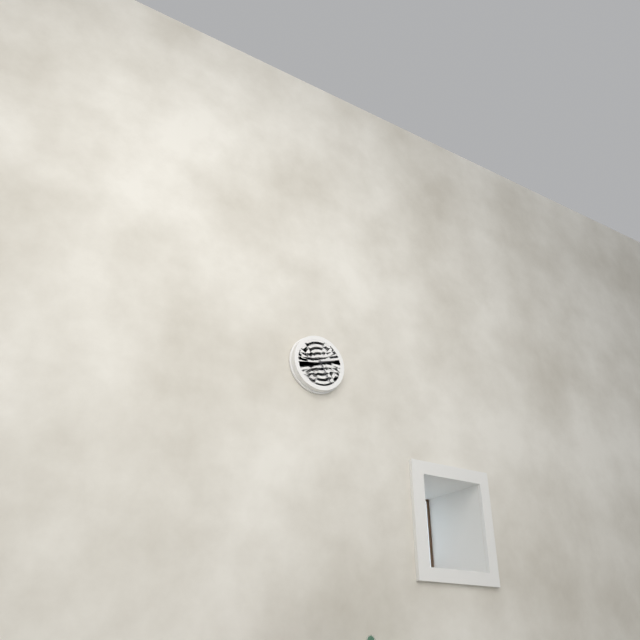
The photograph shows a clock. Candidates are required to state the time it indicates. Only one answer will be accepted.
2:25
